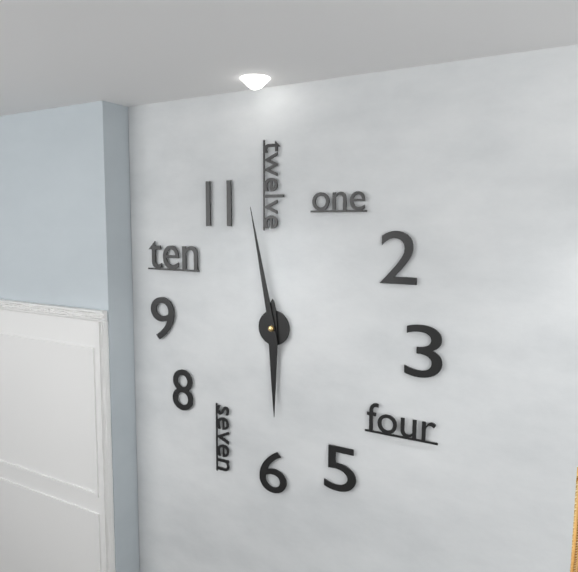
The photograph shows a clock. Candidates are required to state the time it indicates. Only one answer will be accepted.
5:58
